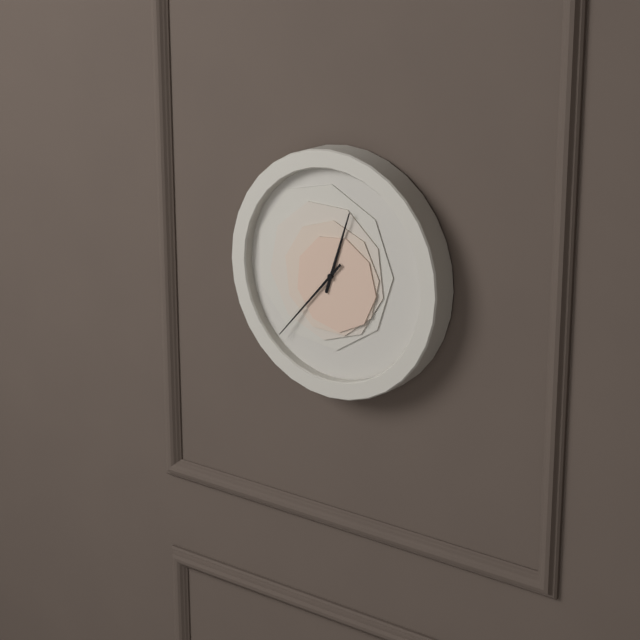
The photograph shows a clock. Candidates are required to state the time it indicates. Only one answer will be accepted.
12:37
